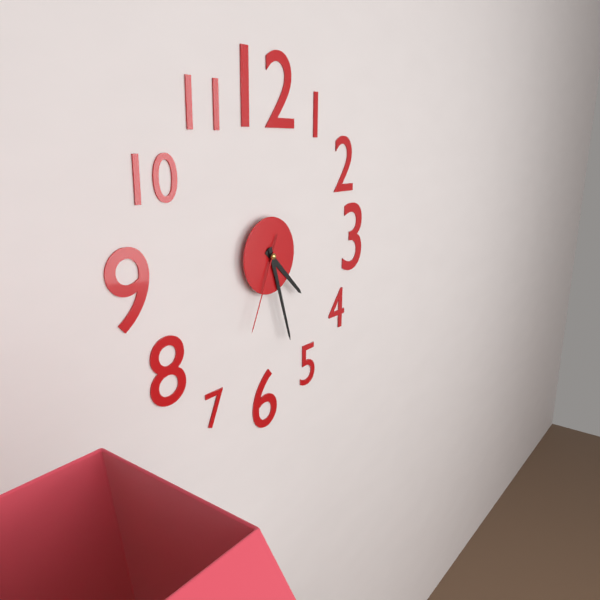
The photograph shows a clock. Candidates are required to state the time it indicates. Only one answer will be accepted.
4:27:34
